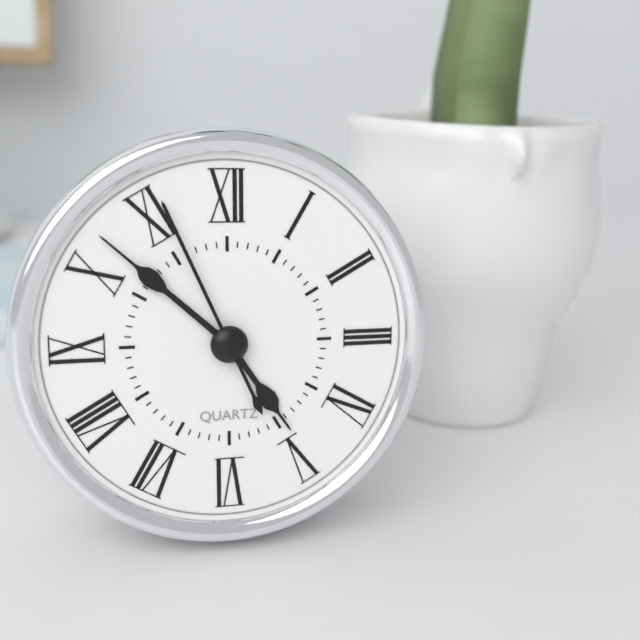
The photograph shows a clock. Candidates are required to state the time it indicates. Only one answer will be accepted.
4:52:56
